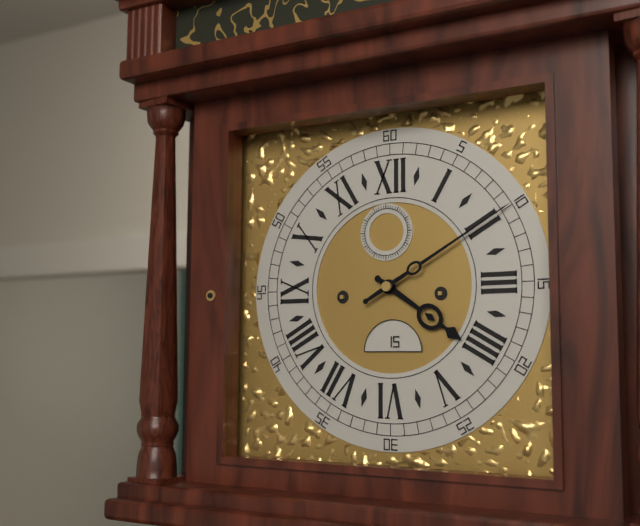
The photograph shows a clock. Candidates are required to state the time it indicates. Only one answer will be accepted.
4:10
